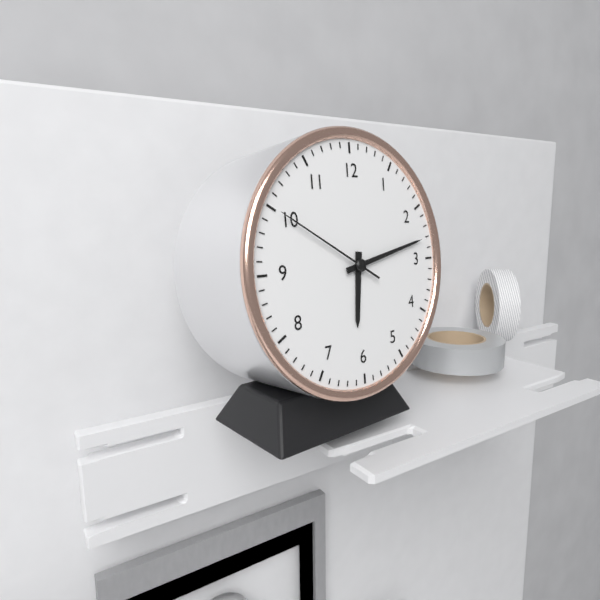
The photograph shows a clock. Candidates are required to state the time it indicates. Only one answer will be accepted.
6:13:50
